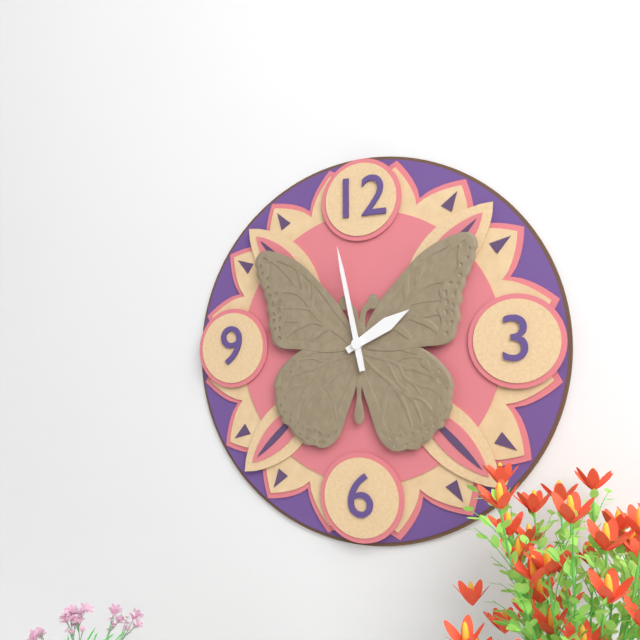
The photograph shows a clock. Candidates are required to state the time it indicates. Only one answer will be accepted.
1:58
